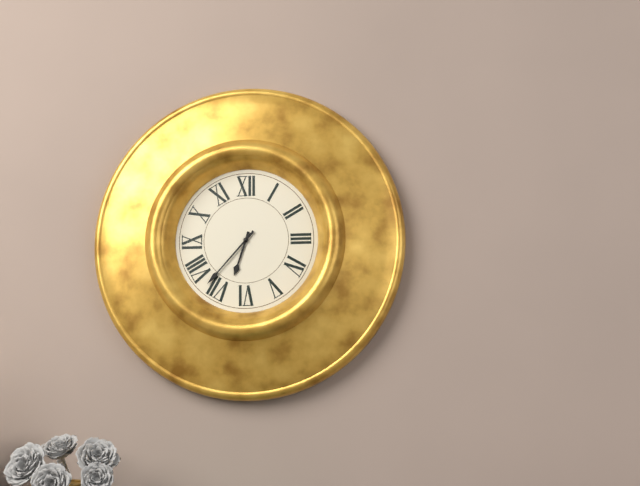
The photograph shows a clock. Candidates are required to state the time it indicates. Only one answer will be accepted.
6:37
